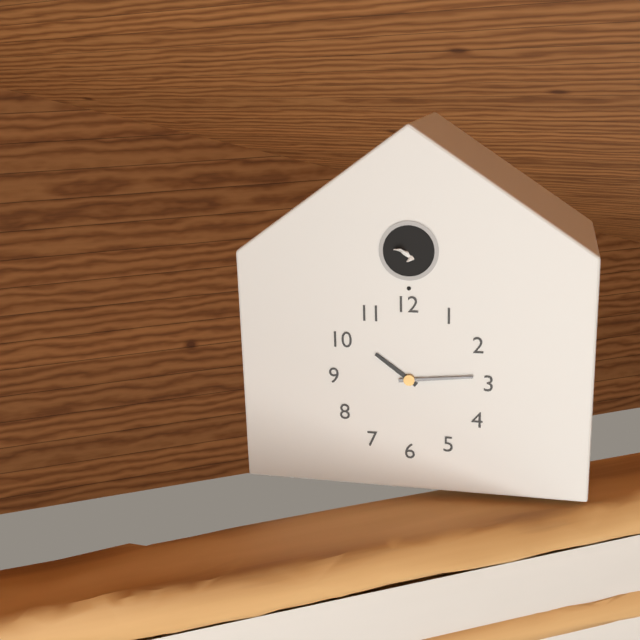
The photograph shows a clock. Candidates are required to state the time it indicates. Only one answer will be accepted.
10:14
